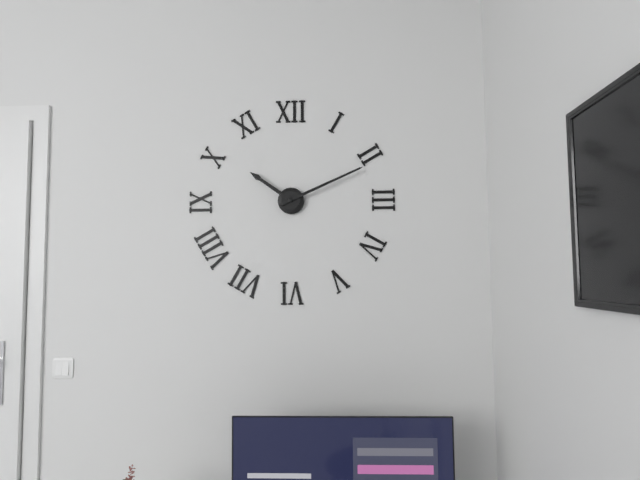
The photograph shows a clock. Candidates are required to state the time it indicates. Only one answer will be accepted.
10:11
